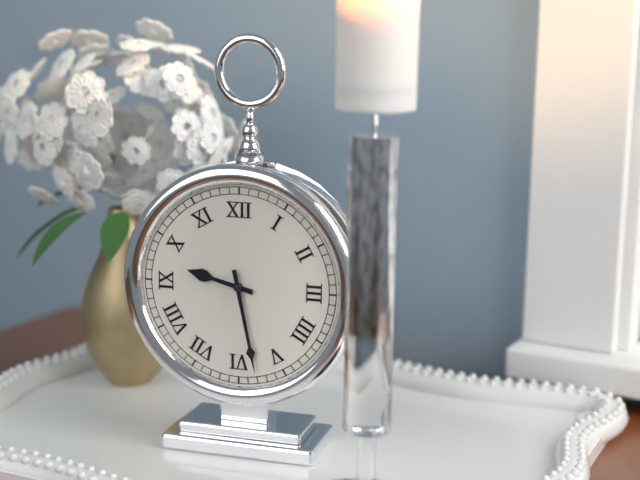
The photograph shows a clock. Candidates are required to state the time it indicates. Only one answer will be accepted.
9:28
